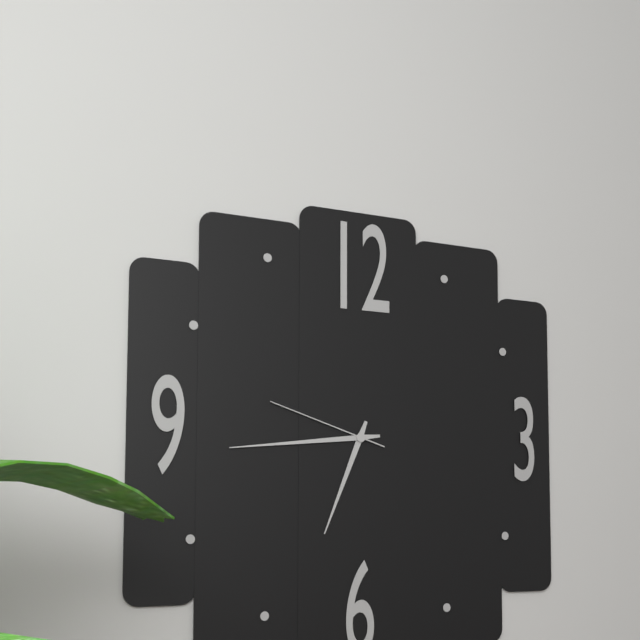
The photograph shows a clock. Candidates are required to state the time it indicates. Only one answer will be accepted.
6:44:48
